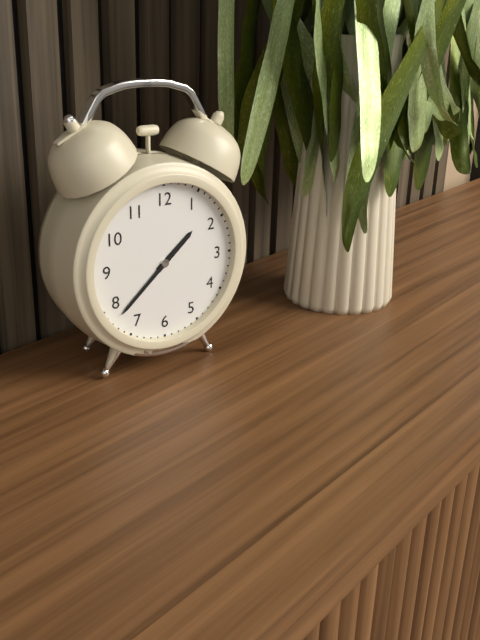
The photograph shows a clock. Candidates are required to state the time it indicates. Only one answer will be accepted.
1:38
